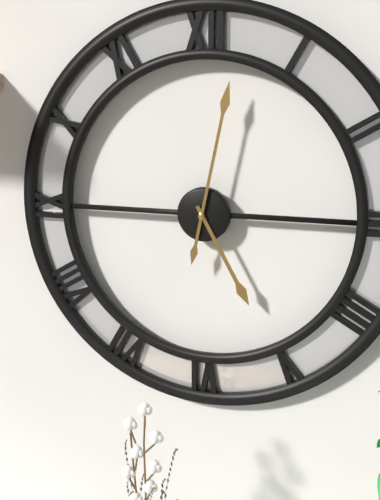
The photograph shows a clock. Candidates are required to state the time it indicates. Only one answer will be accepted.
5:02
